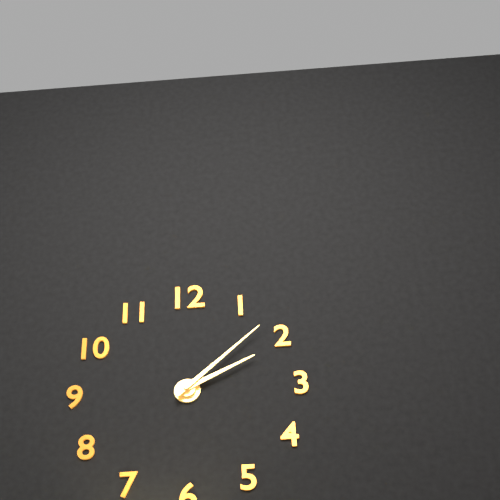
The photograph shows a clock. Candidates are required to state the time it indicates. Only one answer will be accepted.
2:08
